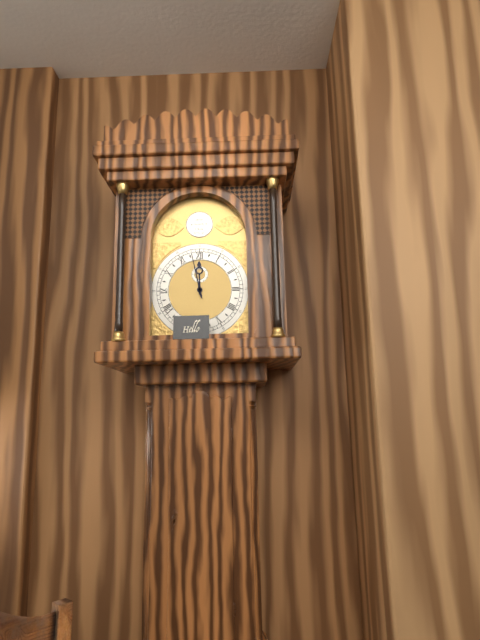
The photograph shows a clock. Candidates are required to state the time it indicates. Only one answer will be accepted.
11:58
